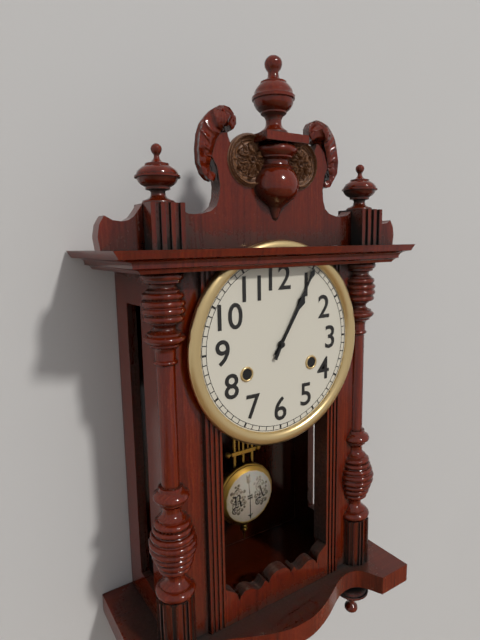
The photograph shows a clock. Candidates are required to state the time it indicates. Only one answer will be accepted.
1:05
